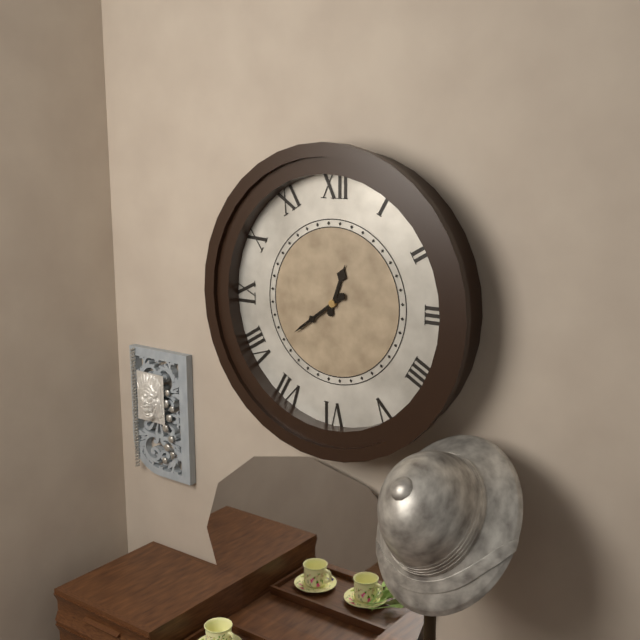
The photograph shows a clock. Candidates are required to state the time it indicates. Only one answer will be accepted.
12:39
